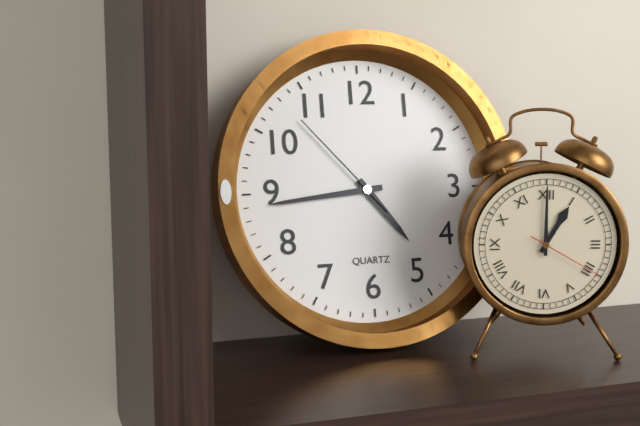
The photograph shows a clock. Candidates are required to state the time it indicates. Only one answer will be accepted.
4:44:53
